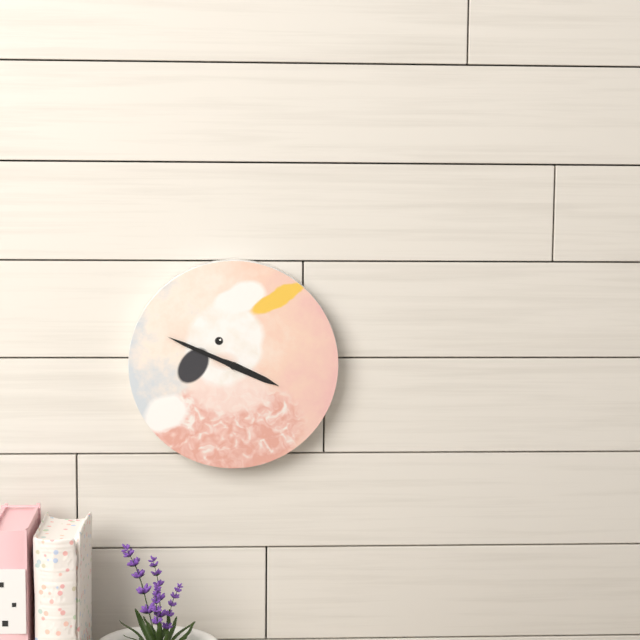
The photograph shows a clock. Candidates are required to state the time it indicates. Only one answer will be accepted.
3:49
